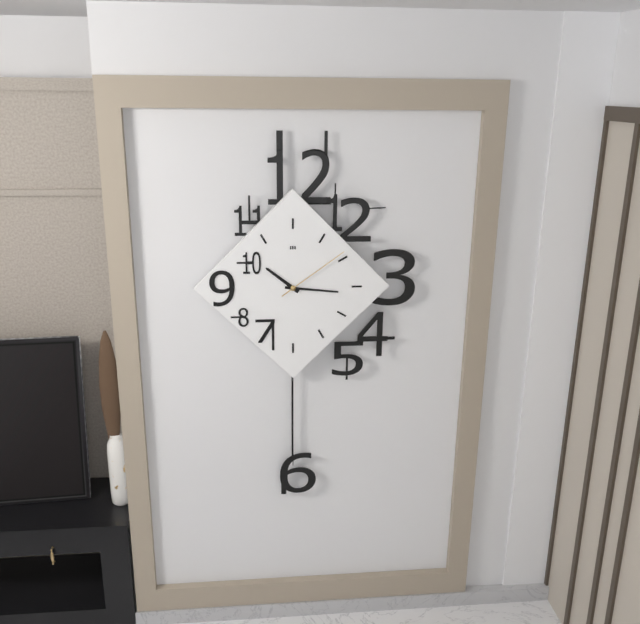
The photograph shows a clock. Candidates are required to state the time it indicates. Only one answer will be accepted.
10:16:09
